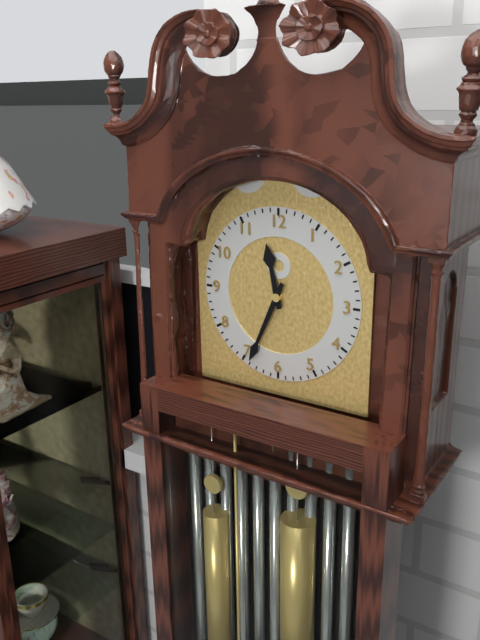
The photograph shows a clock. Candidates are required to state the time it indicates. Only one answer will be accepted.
11:34
